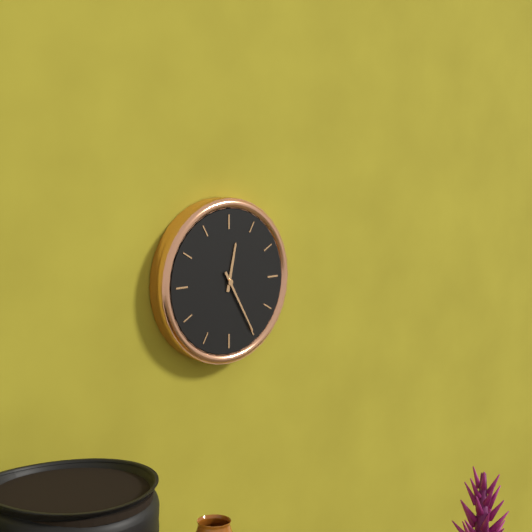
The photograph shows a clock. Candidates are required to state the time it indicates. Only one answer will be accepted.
12:25
